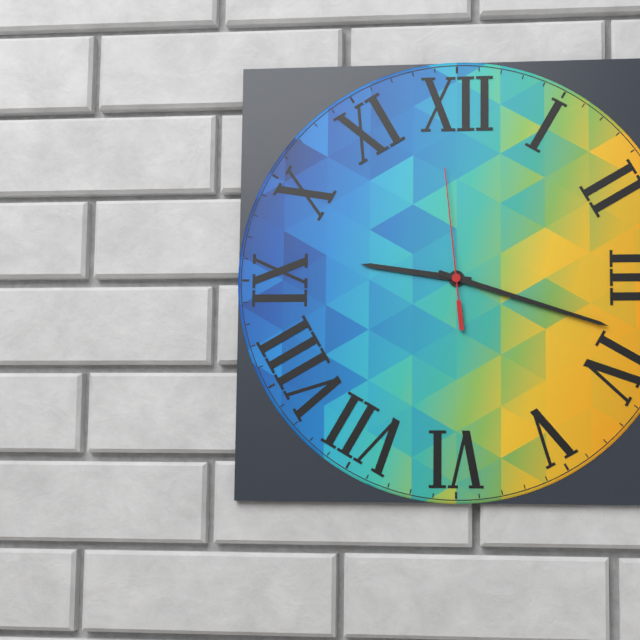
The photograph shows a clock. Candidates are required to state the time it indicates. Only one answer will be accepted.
9:18:59
